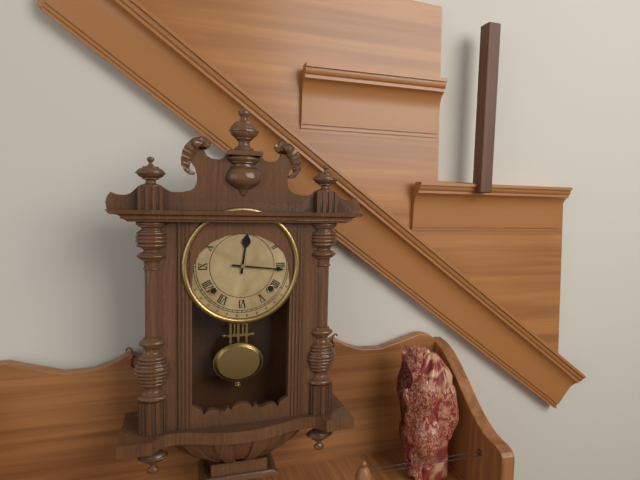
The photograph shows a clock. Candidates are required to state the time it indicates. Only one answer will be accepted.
12:16
